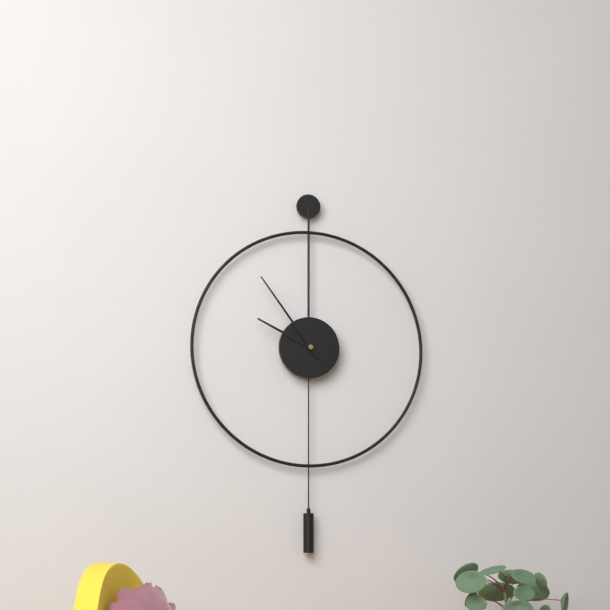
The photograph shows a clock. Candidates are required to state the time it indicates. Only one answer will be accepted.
9:54
